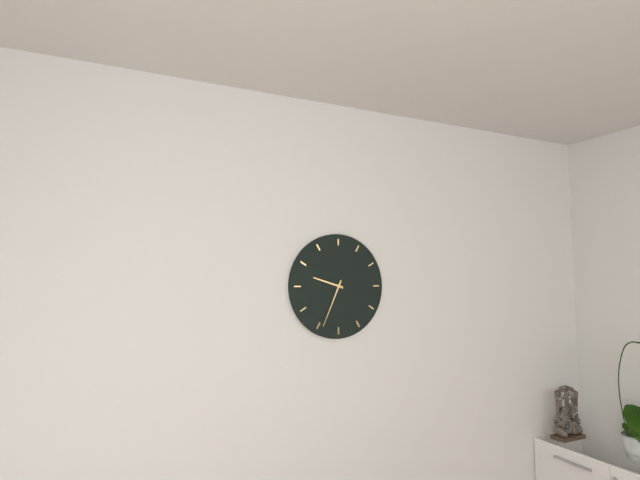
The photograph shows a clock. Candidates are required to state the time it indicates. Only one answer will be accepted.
9:34
